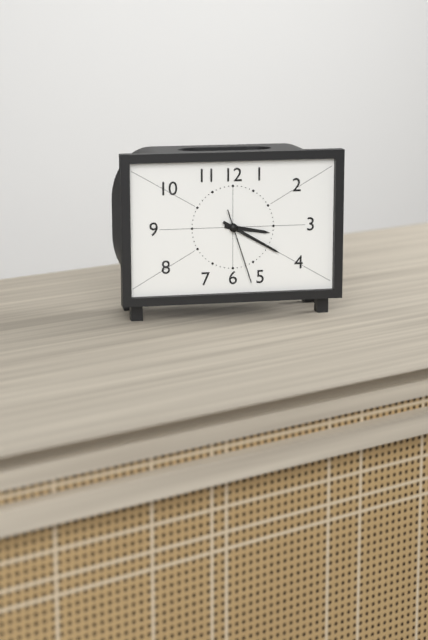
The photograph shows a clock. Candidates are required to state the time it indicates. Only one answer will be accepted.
3:20:27
